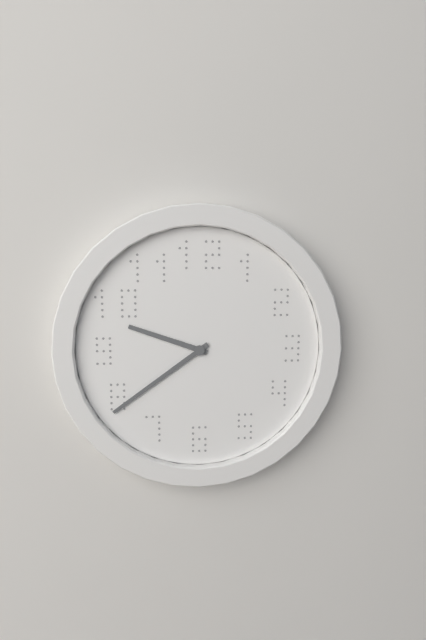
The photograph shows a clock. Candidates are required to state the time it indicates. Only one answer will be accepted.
9:39
